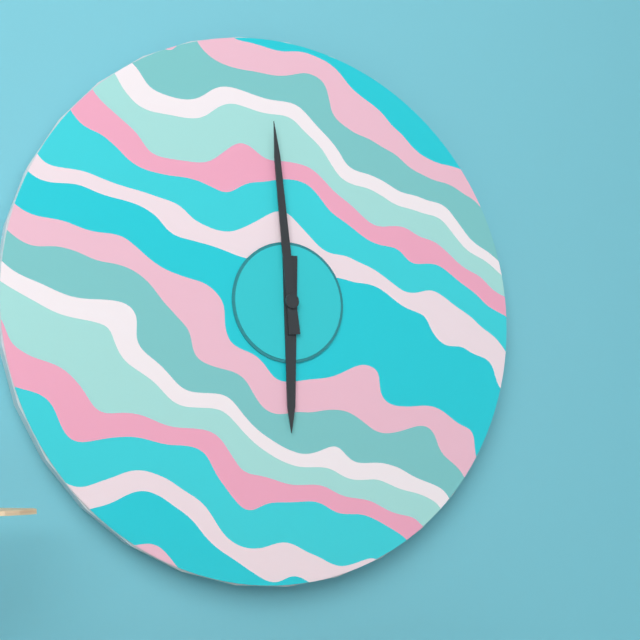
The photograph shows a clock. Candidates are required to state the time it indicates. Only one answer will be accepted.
5:59
